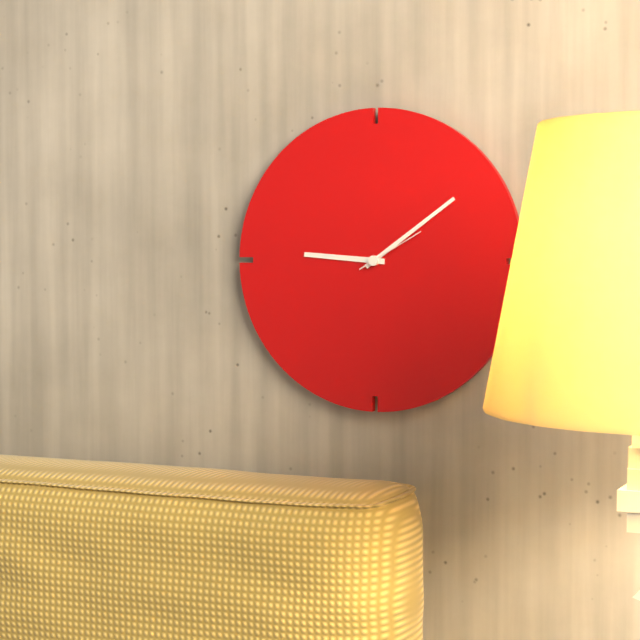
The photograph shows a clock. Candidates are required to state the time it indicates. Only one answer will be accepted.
9:09:10
